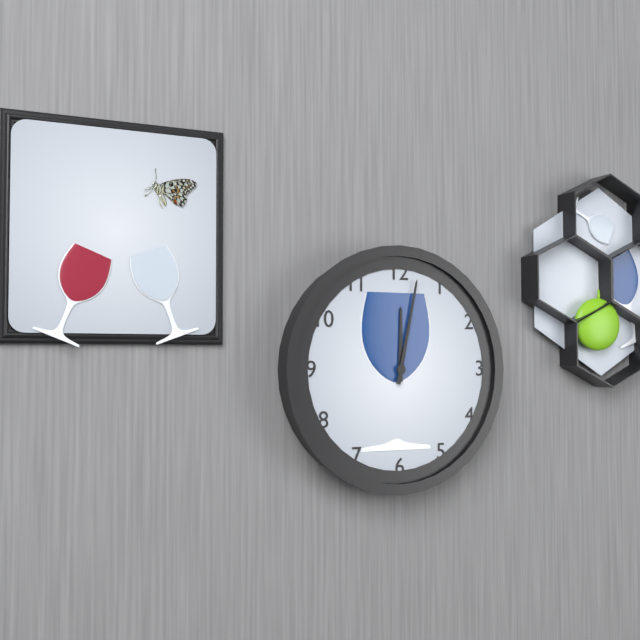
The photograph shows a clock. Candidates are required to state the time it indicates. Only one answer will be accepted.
12:02
